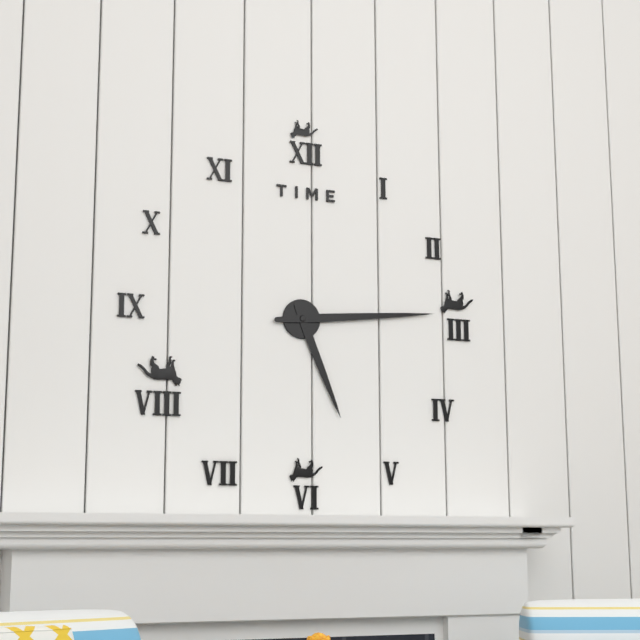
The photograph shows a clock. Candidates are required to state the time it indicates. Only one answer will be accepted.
5:14
